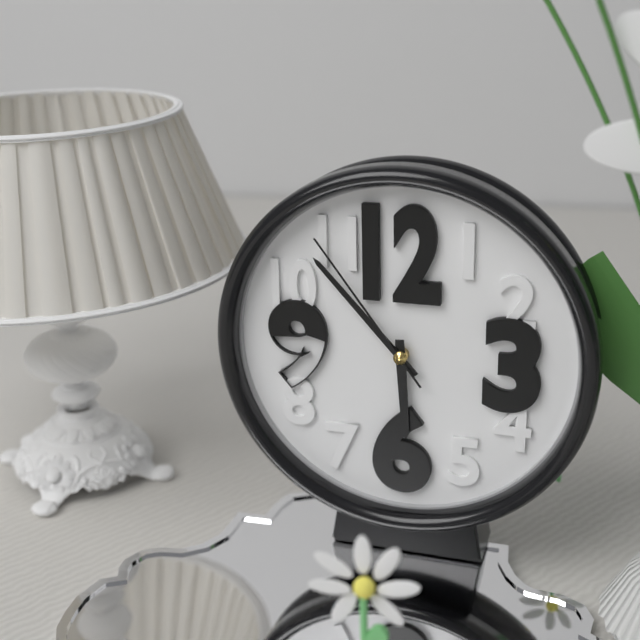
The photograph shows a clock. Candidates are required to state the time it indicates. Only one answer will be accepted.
5:53:54
